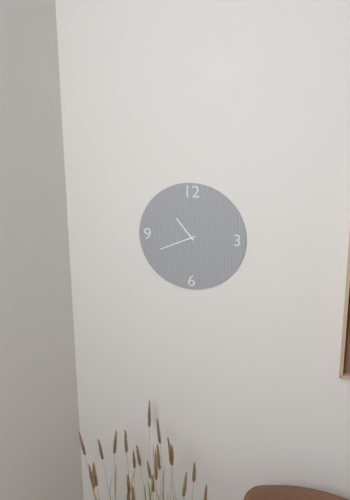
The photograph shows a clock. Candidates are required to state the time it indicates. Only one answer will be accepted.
10:41
